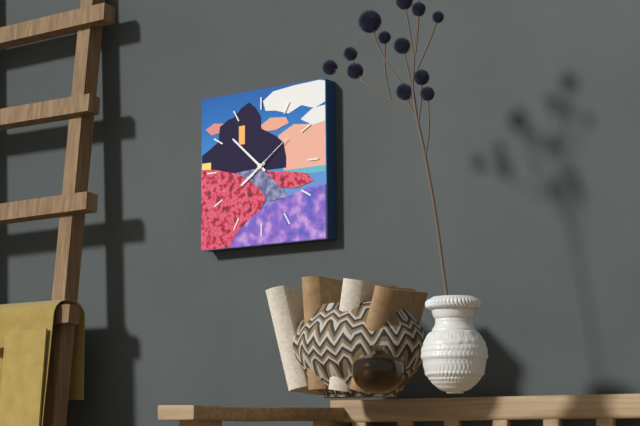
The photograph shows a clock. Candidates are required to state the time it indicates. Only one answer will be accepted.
7:52
